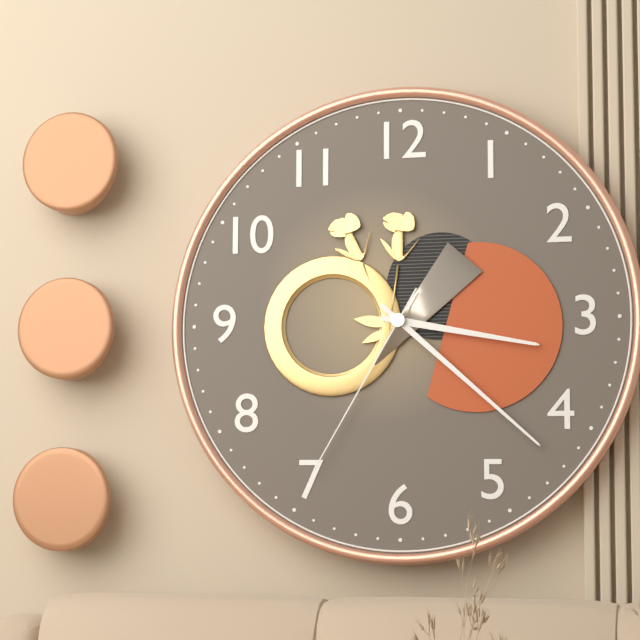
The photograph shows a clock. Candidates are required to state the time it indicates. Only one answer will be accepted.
3:22:35
